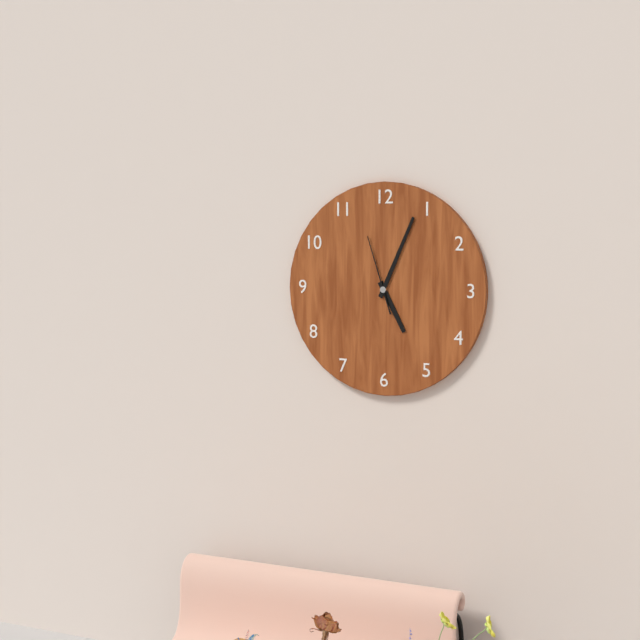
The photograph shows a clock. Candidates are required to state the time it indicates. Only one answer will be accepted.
5:04:57
